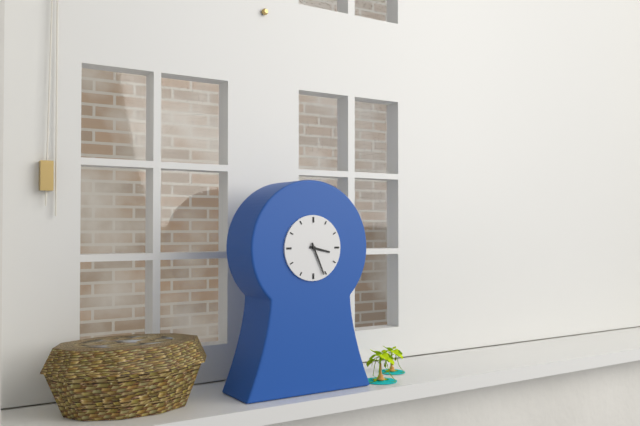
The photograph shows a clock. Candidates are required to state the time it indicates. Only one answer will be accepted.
3:26
